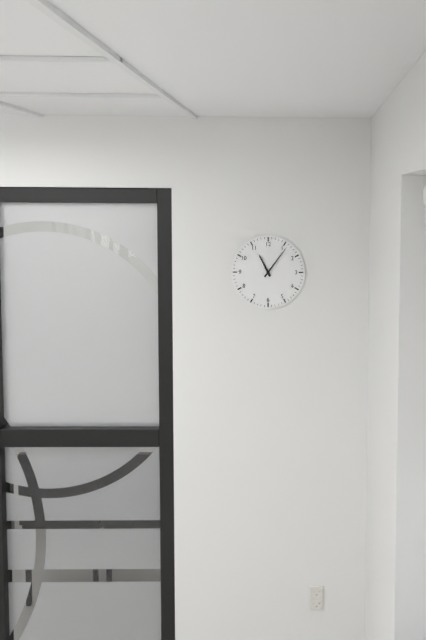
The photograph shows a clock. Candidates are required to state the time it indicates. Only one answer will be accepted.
11:06
